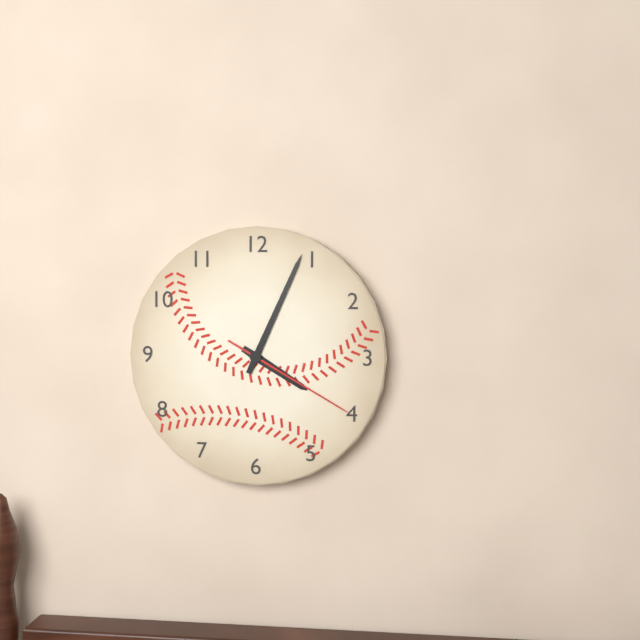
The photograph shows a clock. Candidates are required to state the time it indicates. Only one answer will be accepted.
4:04:20
